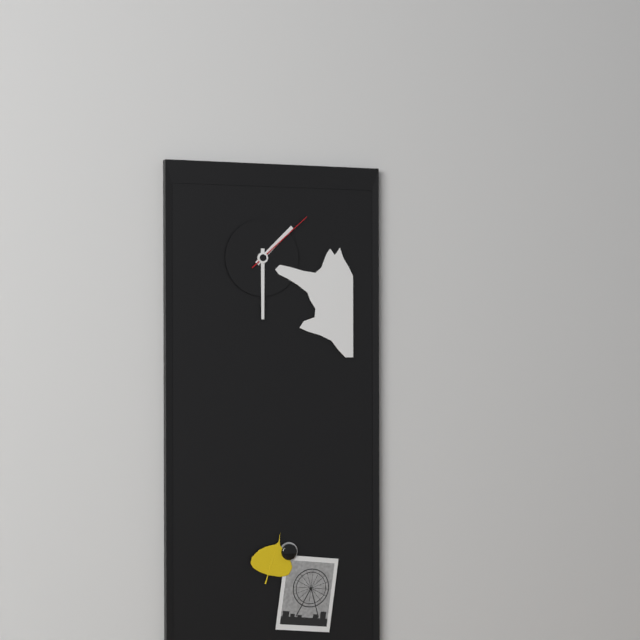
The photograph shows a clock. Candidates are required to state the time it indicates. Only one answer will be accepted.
1:30:08
